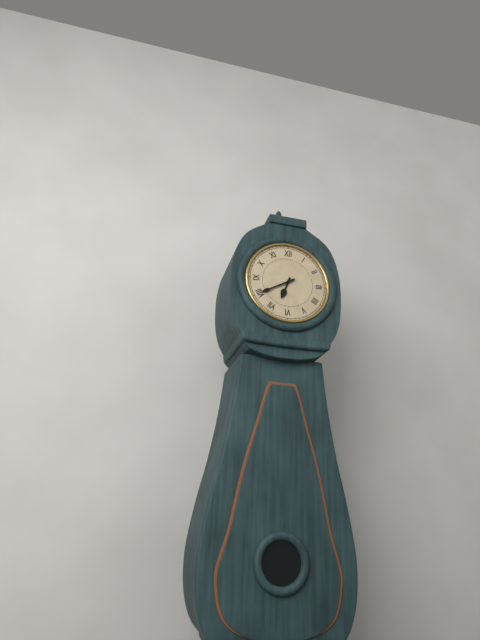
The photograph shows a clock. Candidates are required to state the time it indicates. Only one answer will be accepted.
6:40
